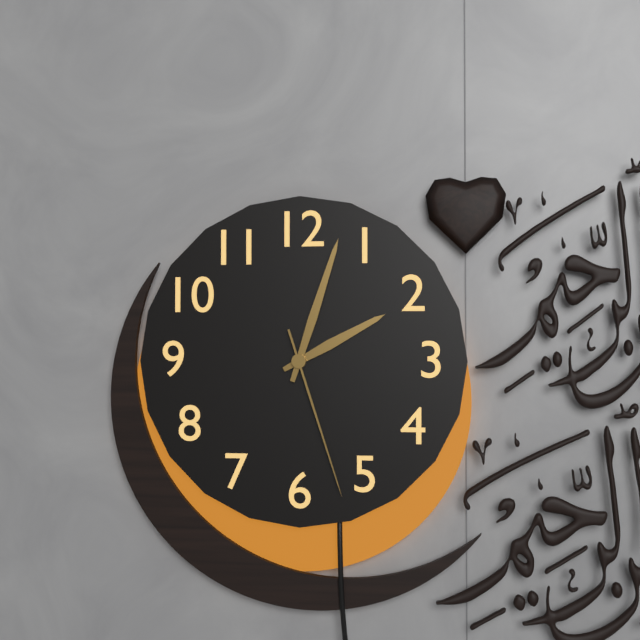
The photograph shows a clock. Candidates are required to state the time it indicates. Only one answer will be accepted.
2:03:27
